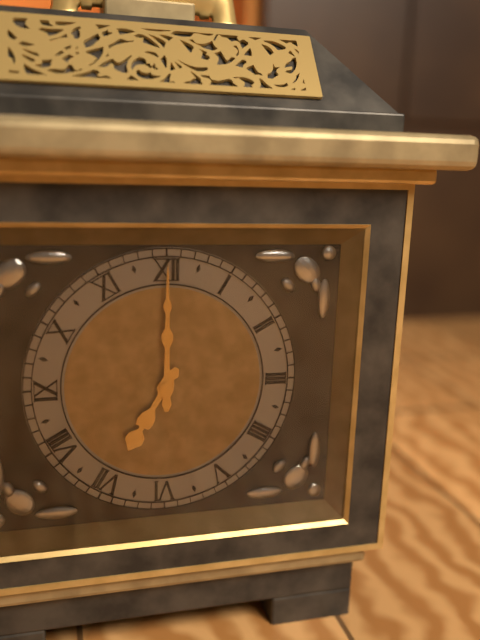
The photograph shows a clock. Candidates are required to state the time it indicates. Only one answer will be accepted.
7:00
